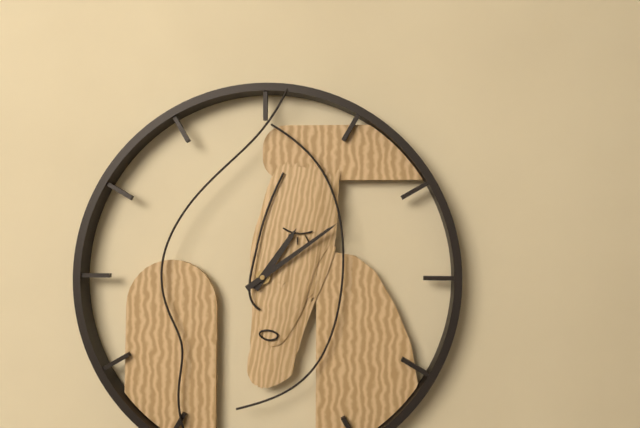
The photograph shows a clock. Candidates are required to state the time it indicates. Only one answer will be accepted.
1:09
